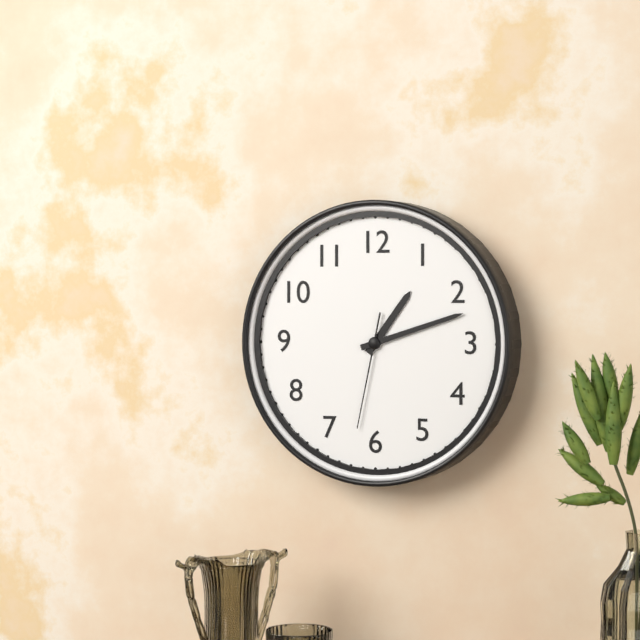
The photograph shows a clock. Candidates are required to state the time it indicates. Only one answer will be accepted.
1:12:32
